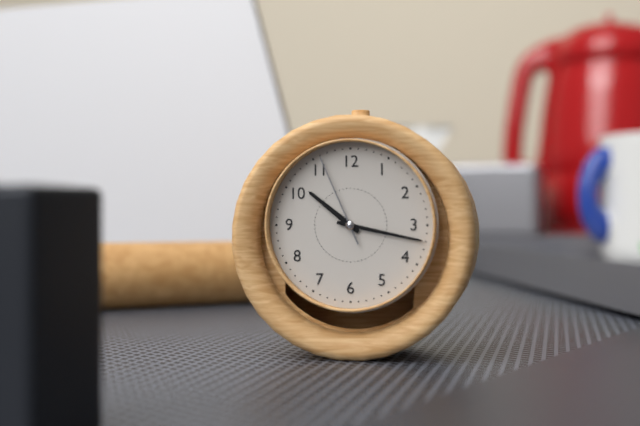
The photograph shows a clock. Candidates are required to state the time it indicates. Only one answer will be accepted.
10:17:56
